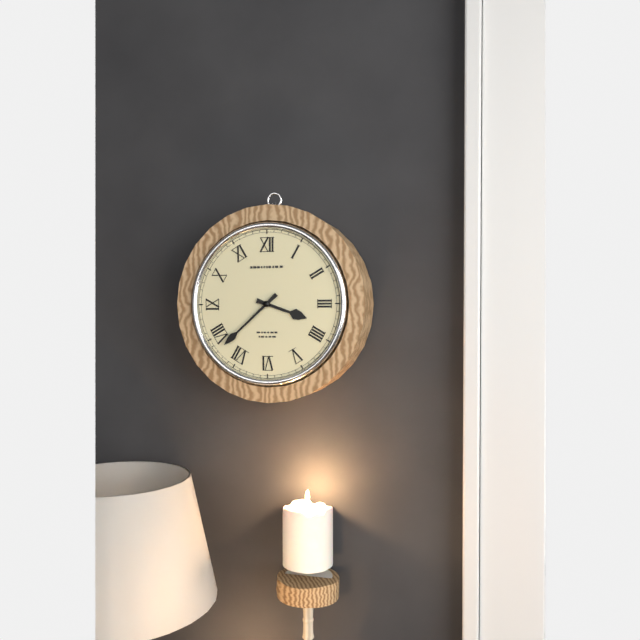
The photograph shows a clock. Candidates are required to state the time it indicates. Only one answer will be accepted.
3:38
